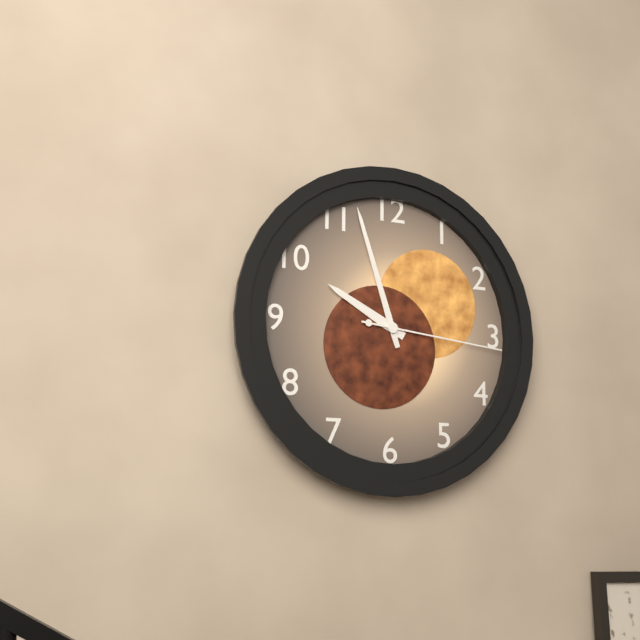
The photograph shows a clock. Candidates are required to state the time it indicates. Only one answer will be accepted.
9:57:16
